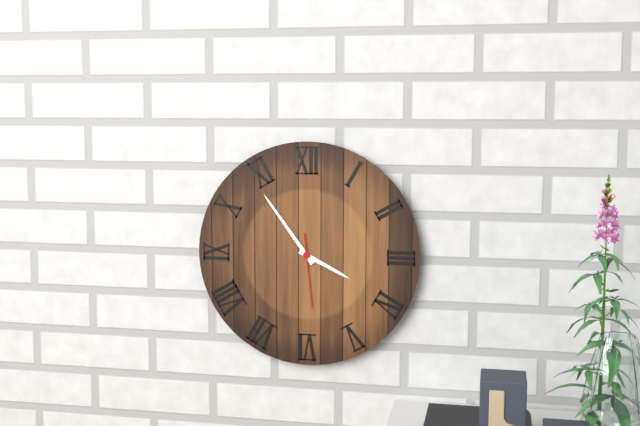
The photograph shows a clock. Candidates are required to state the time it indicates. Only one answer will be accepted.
3:54:29
